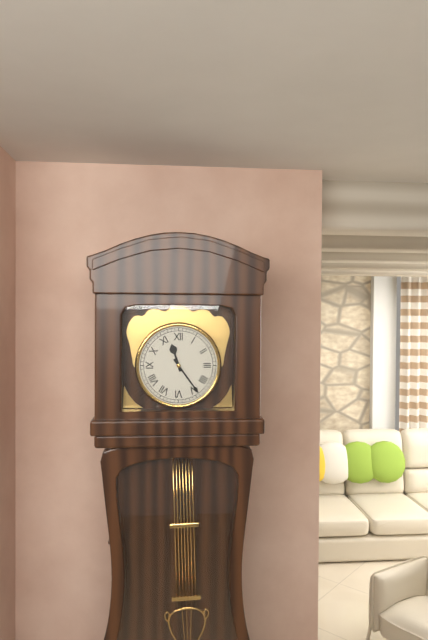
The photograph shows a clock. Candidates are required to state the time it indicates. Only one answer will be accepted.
11:24
